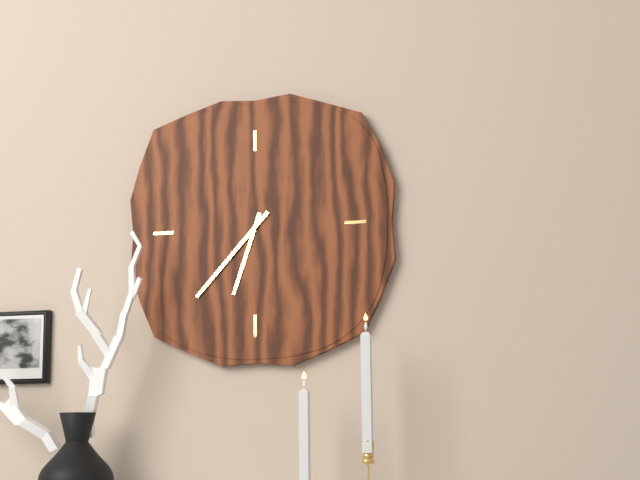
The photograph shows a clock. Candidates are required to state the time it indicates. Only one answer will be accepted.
6:37
